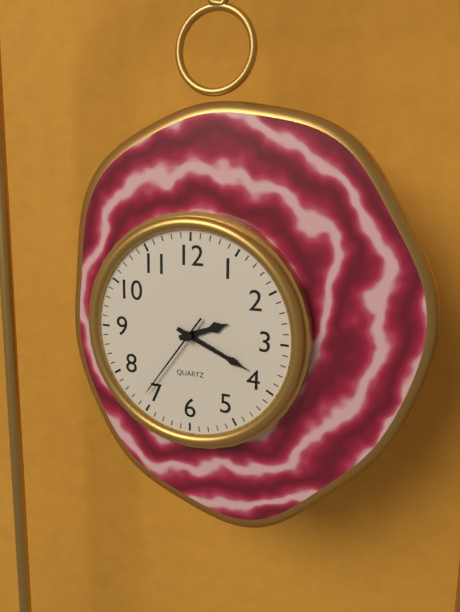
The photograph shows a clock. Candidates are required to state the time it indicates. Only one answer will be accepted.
2:19:36
